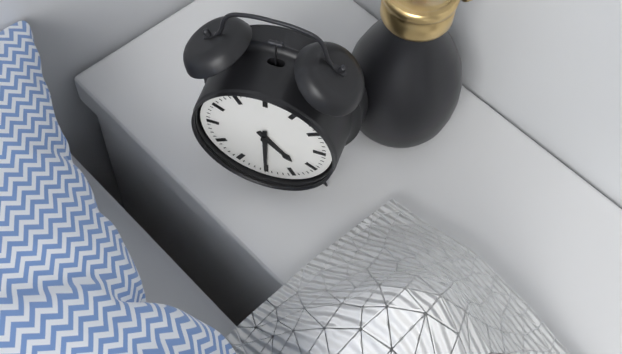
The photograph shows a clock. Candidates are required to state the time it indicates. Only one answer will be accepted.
4:30
